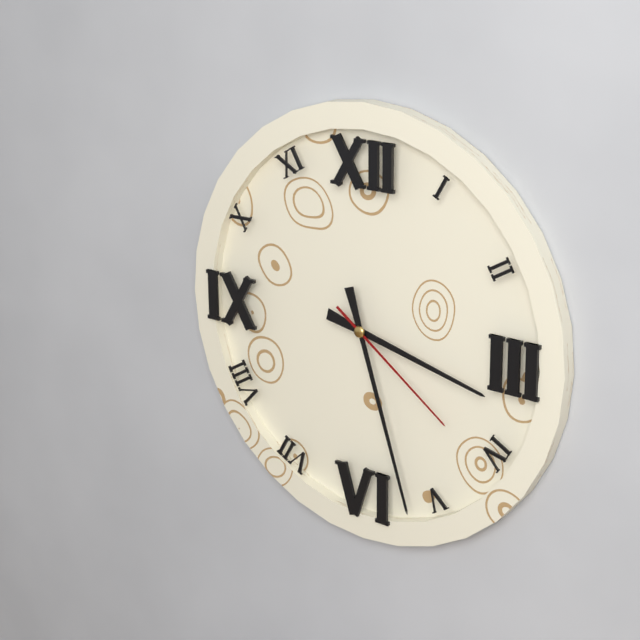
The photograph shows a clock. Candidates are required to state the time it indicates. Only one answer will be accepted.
3:27:21
